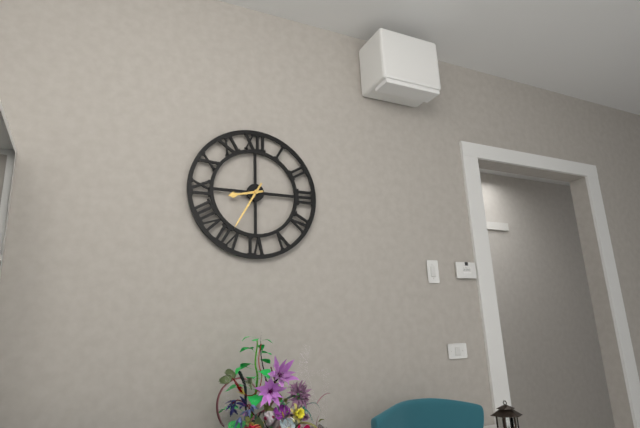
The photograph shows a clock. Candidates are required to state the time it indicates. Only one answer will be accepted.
8:35
